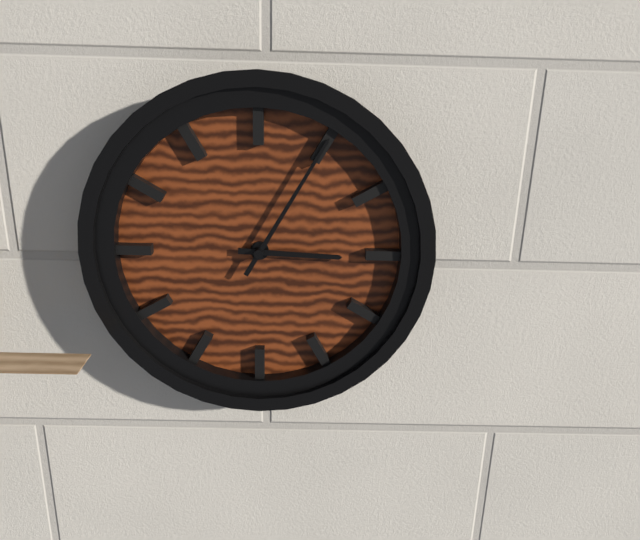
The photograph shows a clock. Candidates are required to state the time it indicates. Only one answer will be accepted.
3:05
